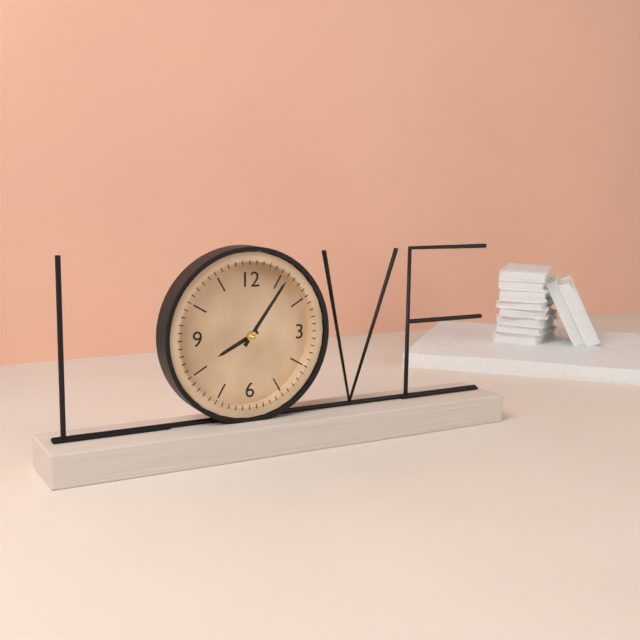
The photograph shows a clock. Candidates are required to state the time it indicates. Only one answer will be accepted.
8:06
